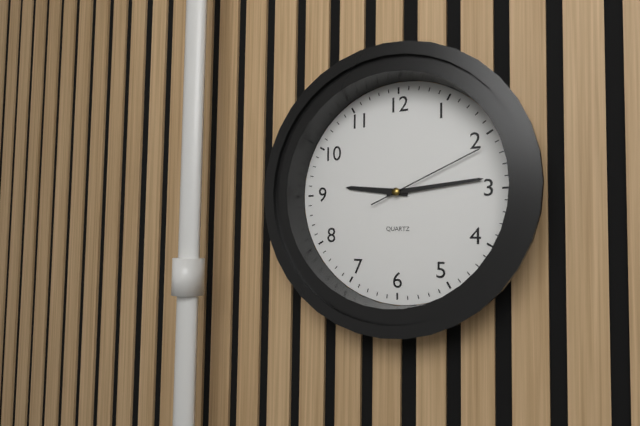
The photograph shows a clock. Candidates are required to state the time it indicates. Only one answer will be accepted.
9:14:11
